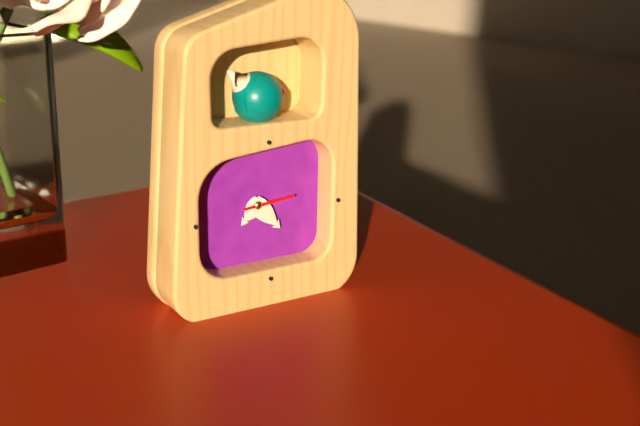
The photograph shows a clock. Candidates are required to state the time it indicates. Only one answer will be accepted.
7:23
